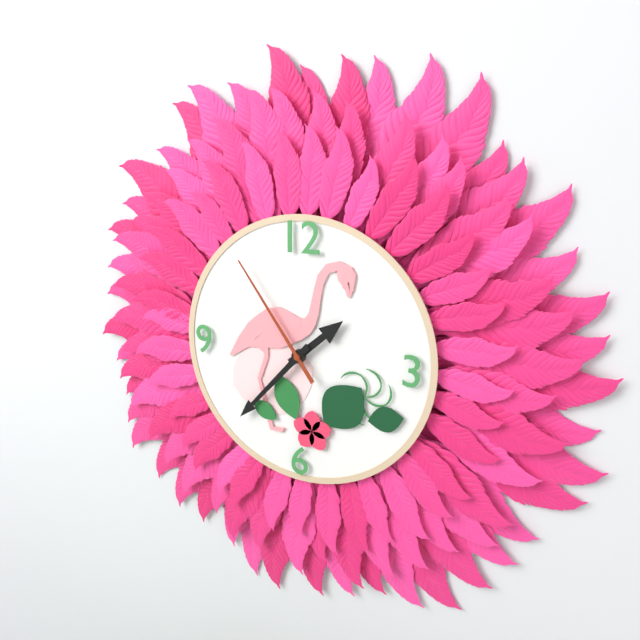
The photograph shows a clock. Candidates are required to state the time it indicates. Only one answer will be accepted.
1:37:54
